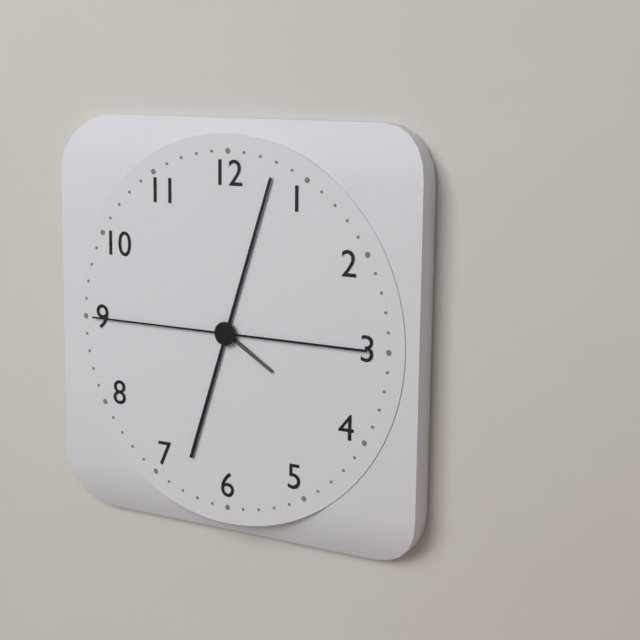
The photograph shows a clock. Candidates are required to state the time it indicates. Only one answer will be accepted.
4:03:45
